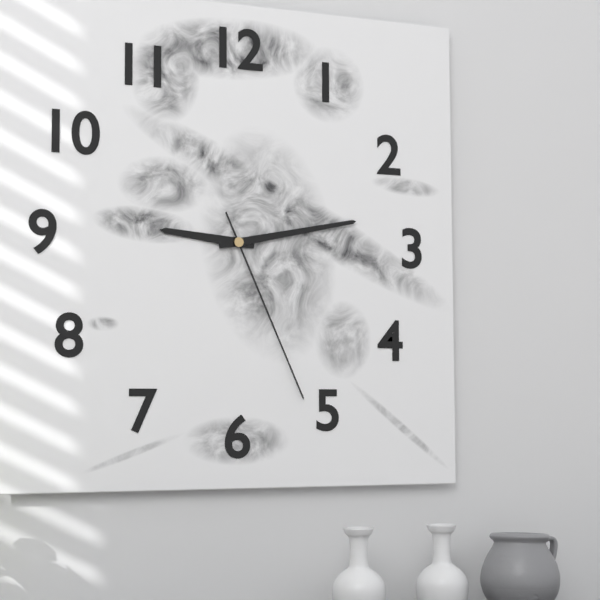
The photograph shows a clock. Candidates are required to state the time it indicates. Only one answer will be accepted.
9:13:26
